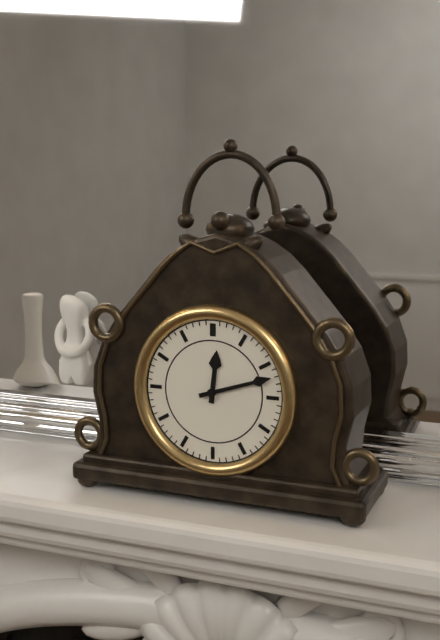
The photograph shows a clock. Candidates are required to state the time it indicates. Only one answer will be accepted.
12:12
